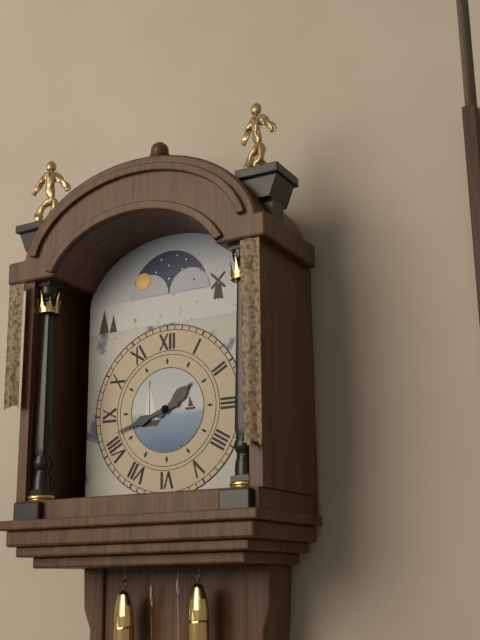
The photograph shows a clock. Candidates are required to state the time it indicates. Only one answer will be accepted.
1:42
